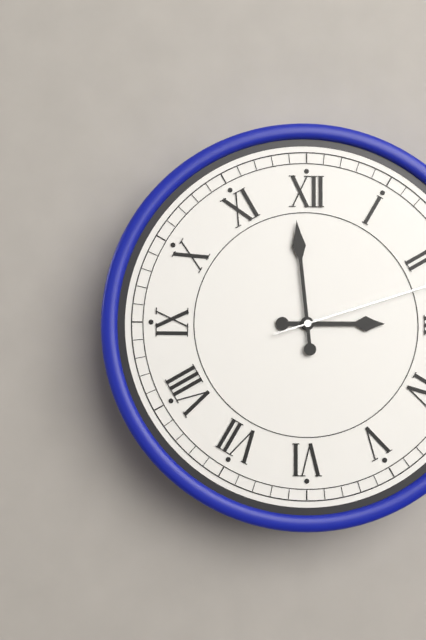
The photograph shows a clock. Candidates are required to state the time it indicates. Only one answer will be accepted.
2:59
